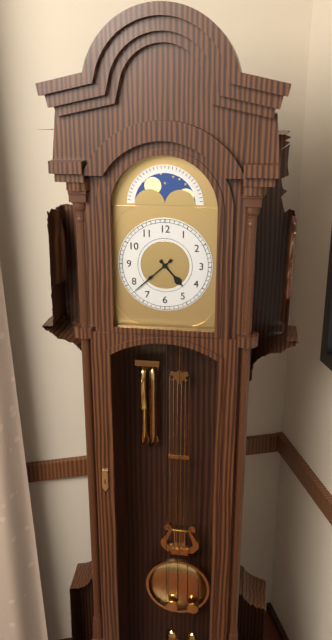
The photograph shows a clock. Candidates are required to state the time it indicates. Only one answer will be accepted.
4:38
